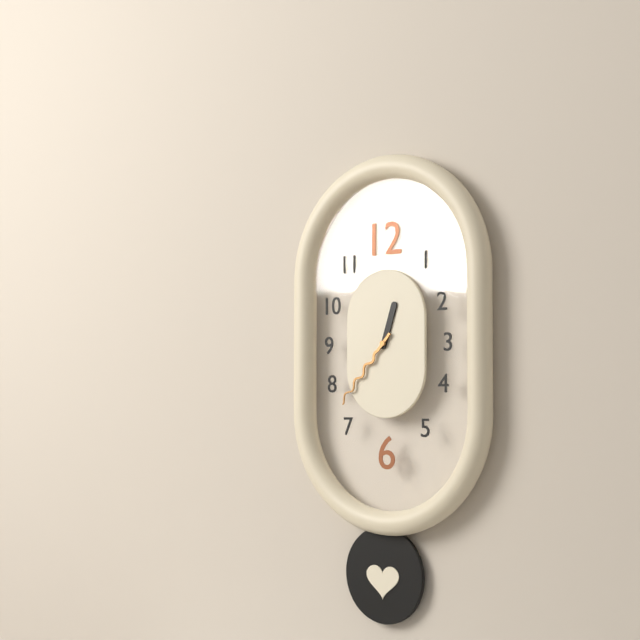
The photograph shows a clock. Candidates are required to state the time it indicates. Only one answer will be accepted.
12:37
